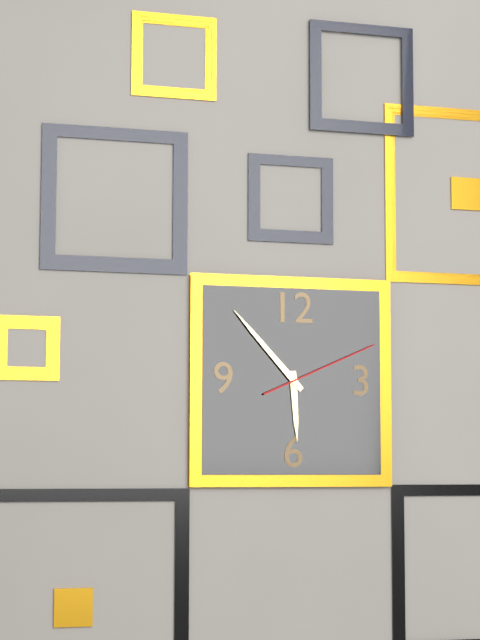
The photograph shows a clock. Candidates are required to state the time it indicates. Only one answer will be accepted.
5:53:11
